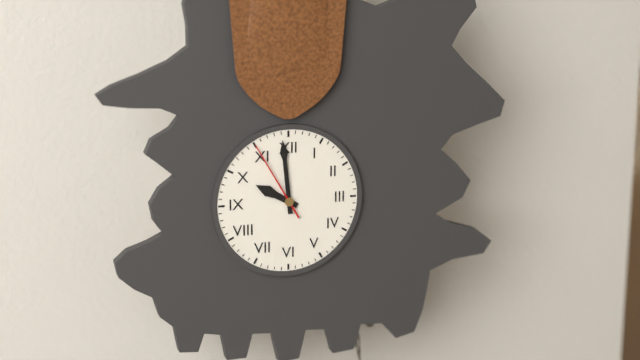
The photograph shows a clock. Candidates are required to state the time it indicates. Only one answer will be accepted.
9:59:55
